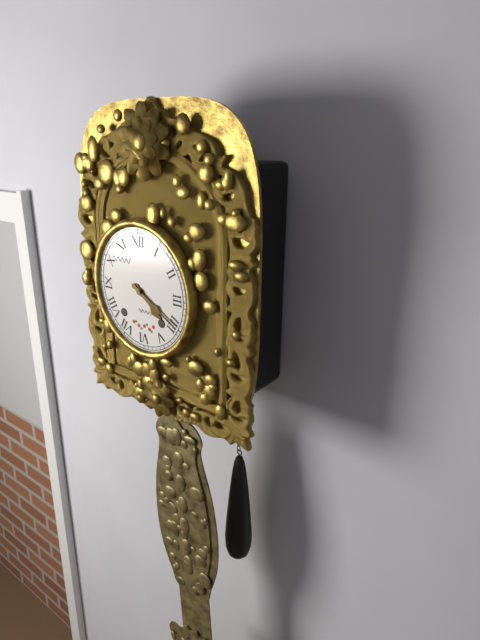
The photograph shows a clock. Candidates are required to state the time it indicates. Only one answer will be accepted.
4:20
